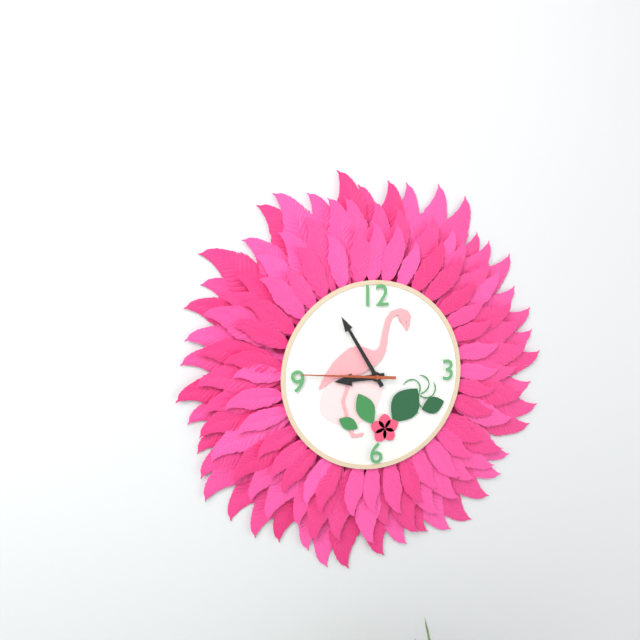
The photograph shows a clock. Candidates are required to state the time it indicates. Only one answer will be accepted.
8:55:46
